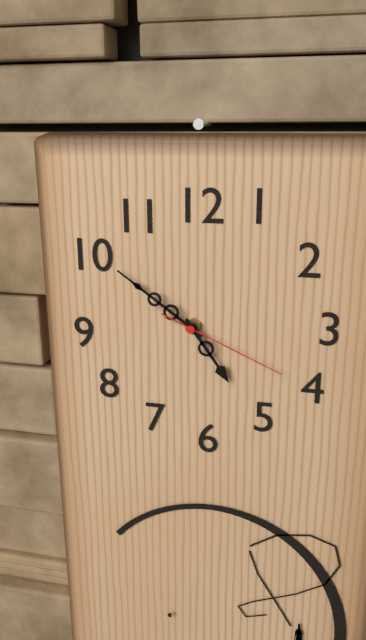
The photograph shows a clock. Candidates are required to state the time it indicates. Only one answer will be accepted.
4:51:19
